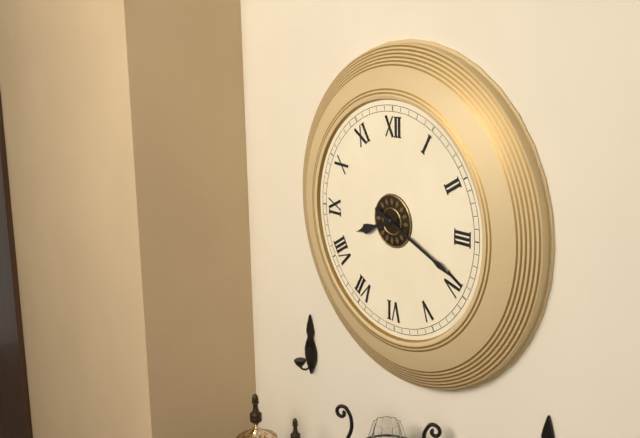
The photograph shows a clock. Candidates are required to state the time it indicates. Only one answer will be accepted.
8:19
